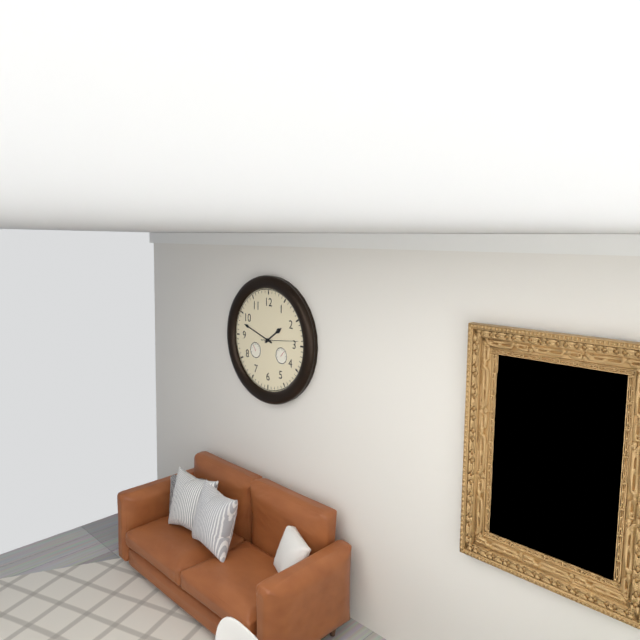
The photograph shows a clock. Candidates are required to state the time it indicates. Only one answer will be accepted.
1:48
